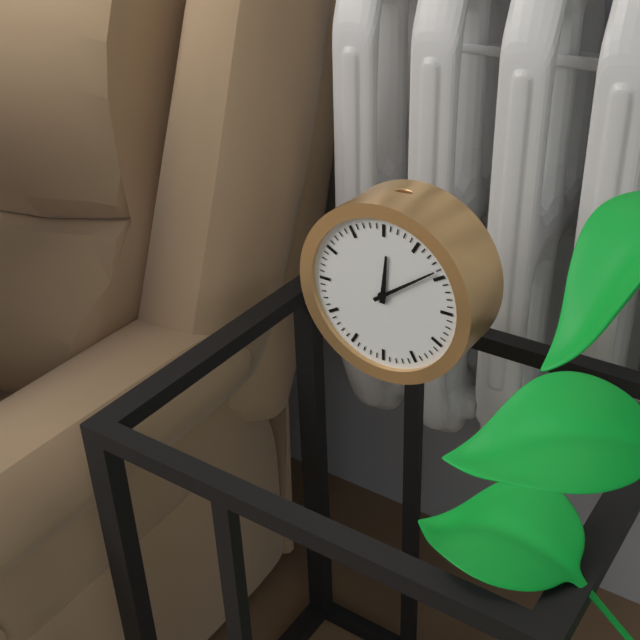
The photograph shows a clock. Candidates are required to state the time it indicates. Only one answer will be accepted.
12:09
